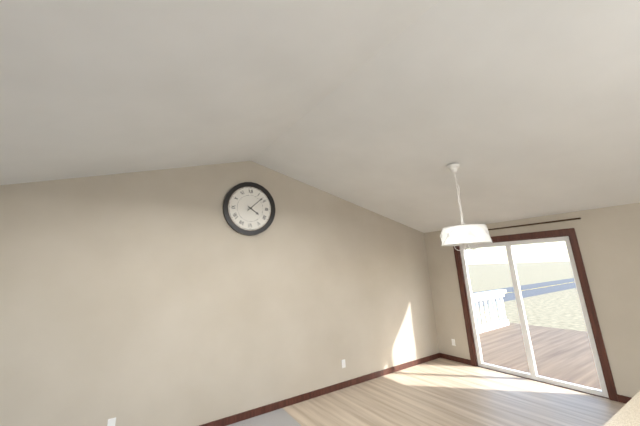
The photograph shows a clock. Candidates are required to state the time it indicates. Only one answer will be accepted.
4:08
